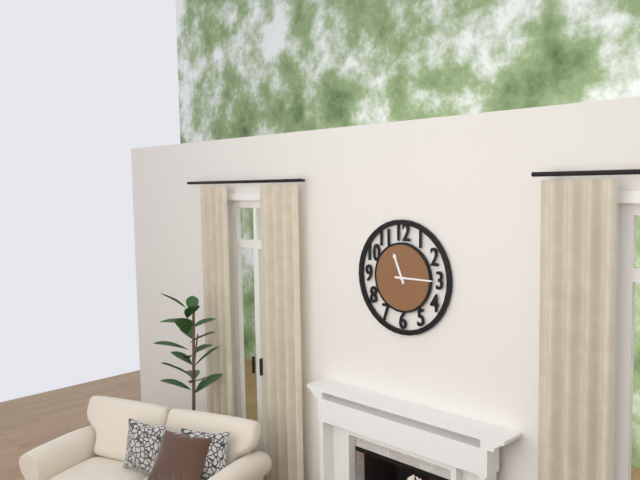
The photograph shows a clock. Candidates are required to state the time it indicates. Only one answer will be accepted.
11:15
